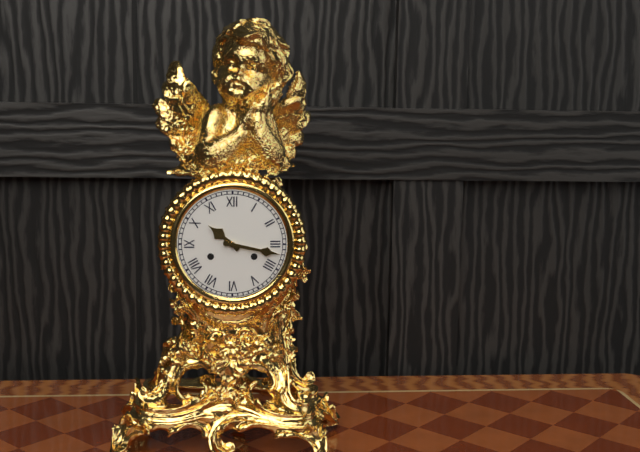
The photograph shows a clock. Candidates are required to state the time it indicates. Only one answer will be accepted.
10:17
